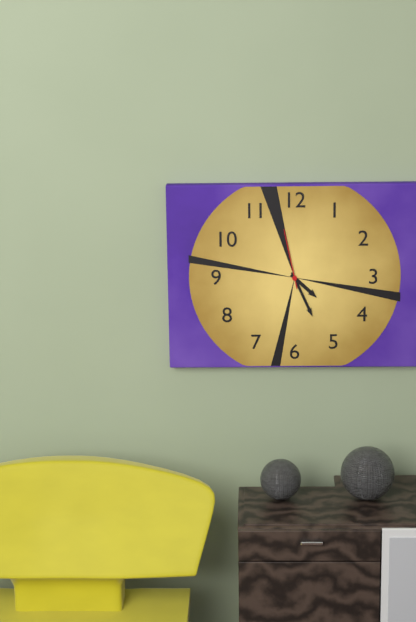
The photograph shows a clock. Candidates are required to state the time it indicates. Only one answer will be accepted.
4:26:58
